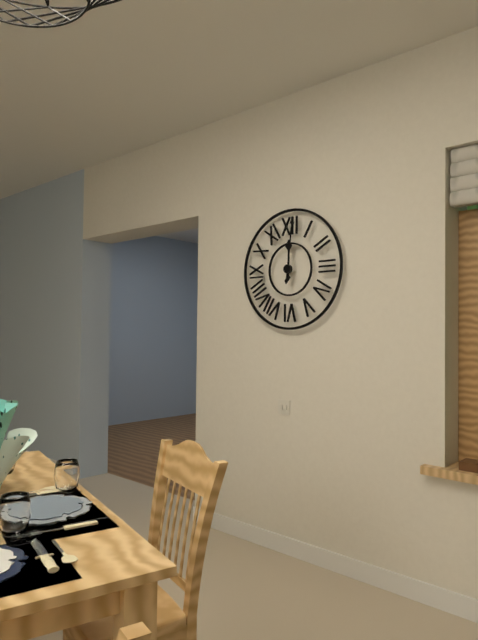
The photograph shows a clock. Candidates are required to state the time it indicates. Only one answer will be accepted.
12:01
